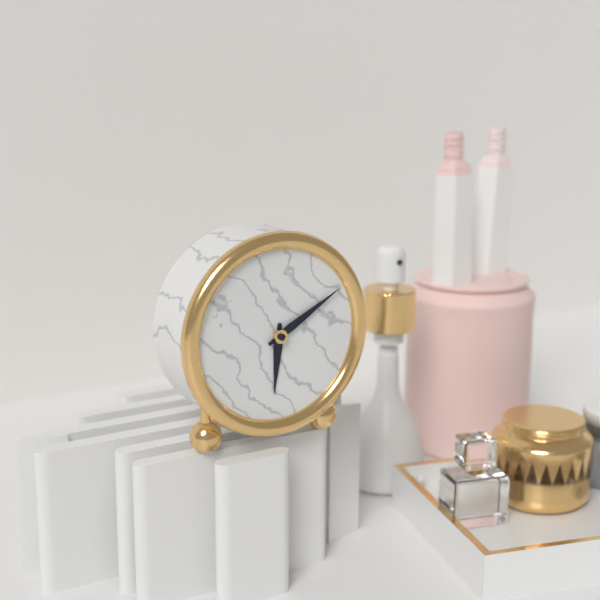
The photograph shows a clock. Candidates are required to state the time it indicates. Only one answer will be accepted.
6:10
